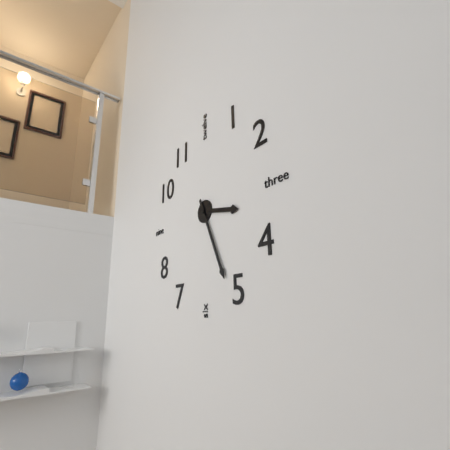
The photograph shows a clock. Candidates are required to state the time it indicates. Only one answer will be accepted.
3:26
